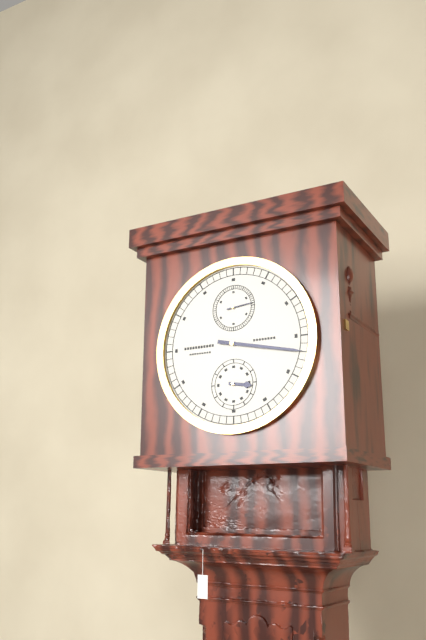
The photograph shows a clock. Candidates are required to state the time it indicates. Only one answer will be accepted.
3:17
